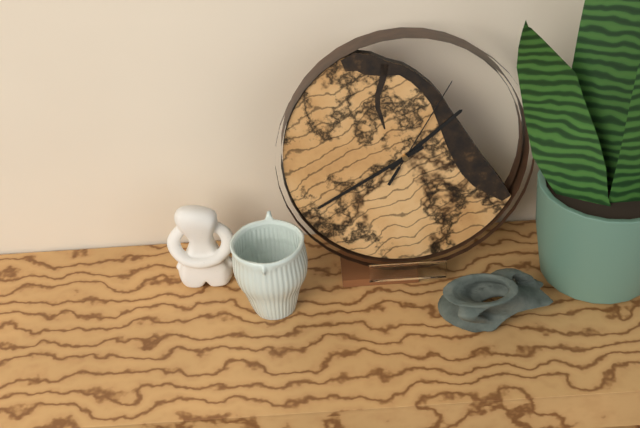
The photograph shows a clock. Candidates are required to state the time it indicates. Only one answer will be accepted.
1:40:05
